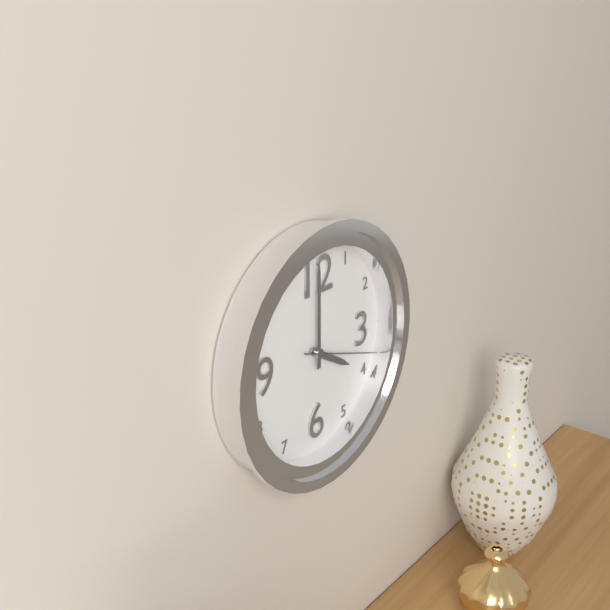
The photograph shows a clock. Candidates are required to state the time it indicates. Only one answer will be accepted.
4:00:18
